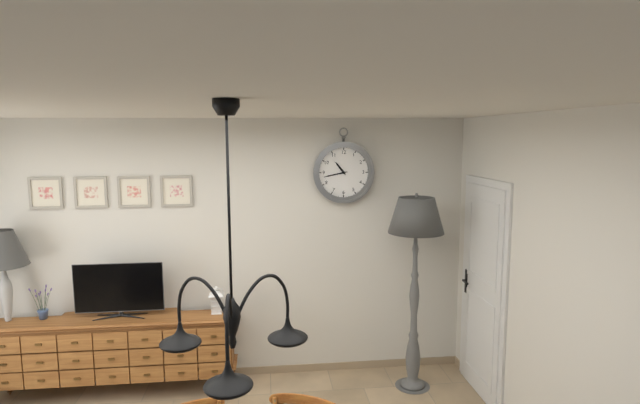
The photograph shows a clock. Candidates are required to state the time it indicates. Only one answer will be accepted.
10:43
